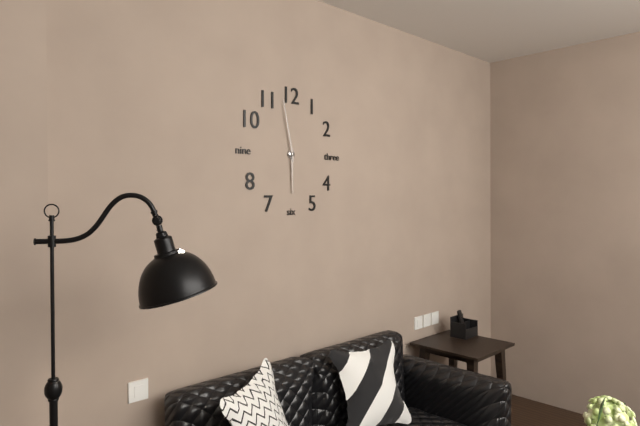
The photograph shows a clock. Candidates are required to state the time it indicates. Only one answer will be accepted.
5:58
